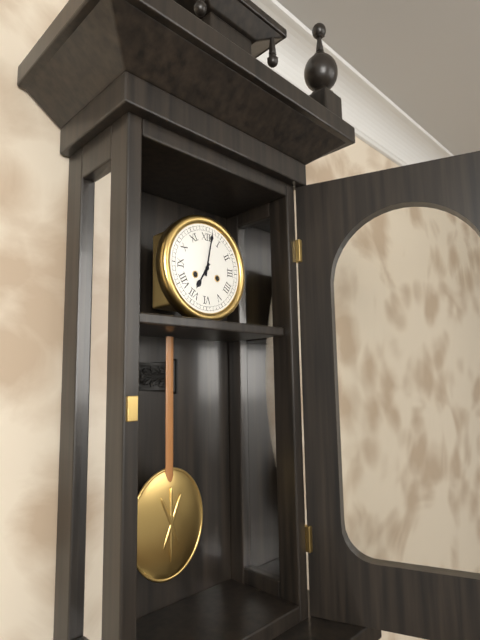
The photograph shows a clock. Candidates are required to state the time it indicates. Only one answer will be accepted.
7:02
